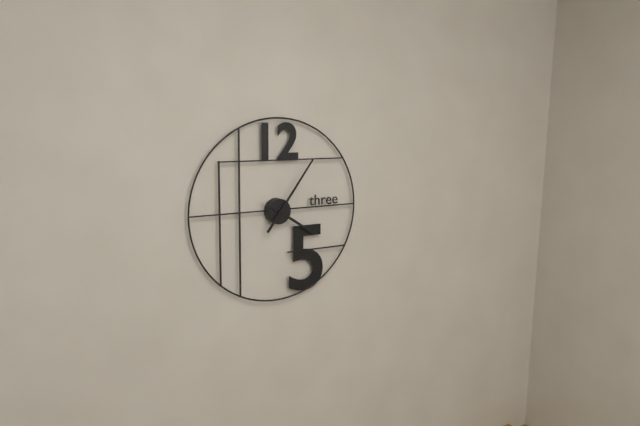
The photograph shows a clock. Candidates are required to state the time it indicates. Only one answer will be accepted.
4:06
